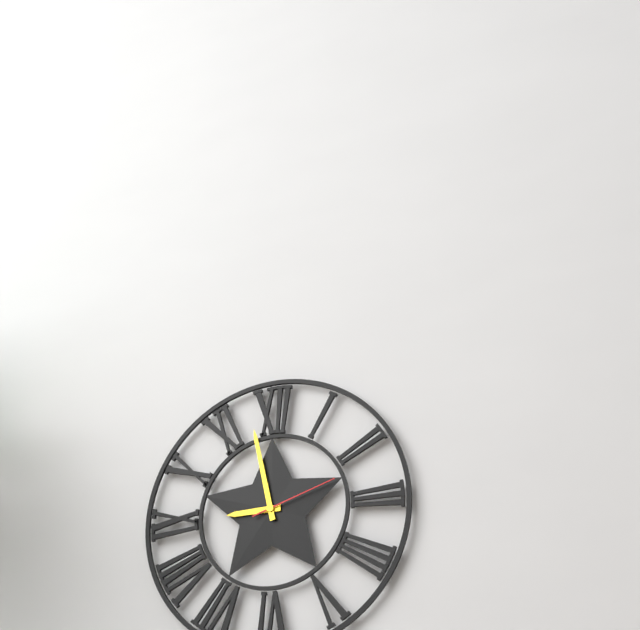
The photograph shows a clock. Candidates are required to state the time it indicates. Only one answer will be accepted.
8:58:12
